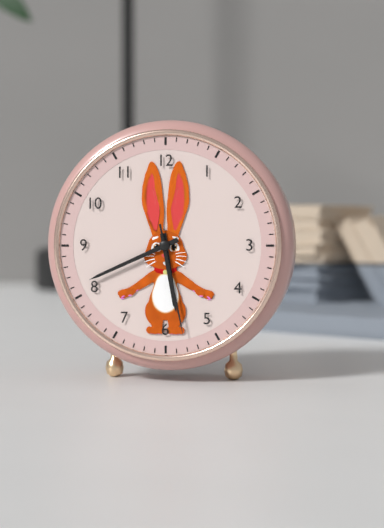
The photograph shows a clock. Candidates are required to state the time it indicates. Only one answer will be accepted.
5:41:28
